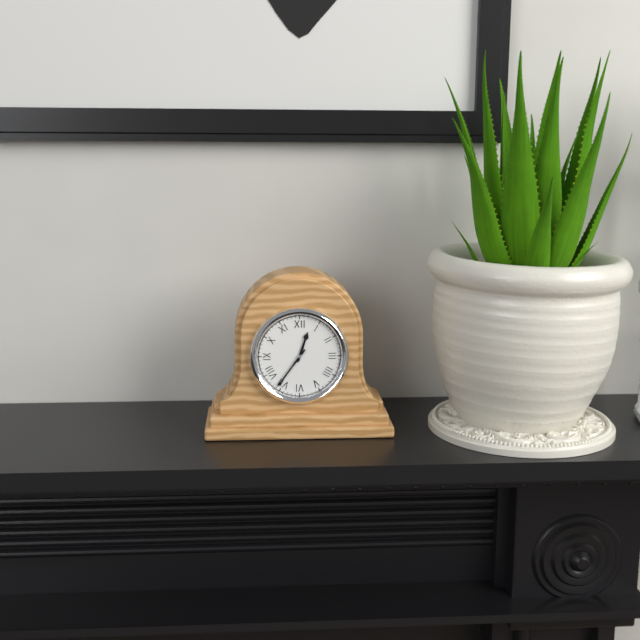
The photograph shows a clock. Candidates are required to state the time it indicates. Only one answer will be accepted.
12:36
